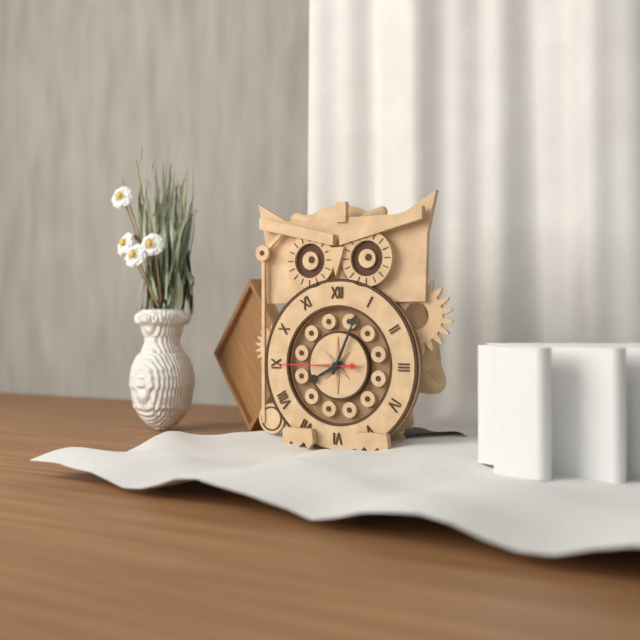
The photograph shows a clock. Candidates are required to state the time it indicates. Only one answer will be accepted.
8:04:45
